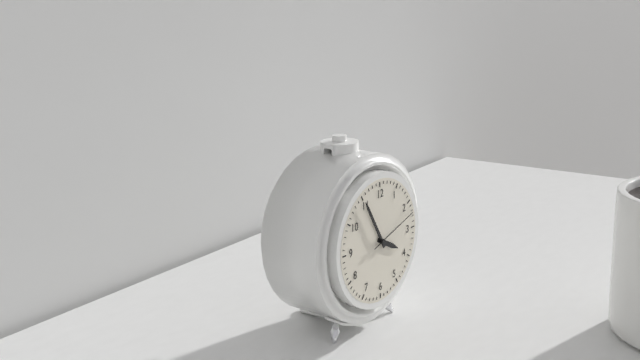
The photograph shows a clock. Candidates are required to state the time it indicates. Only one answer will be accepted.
3:55:12
